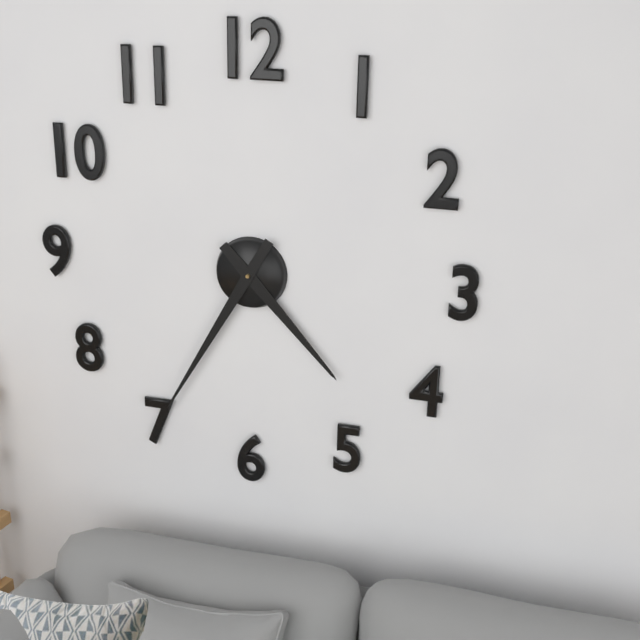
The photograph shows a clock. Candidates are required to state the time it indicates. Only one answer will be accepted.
4:35
